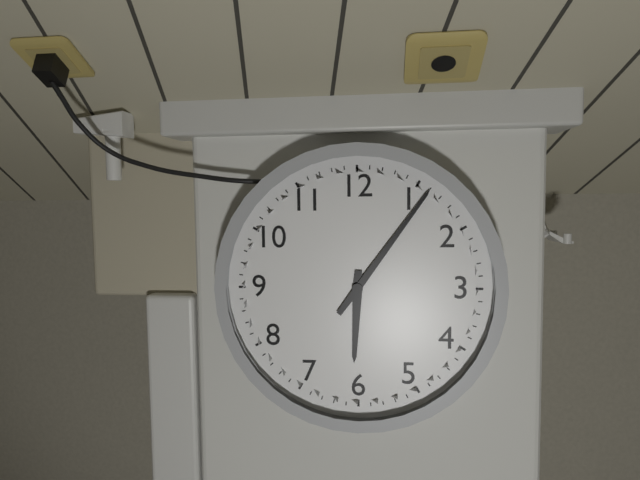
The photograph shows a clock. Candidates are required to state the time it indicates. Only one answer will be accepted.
6:06
